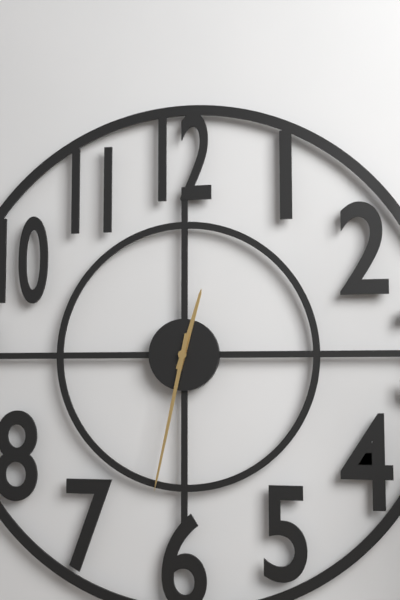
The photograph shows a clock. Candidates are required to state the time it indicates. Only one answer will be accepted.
12:32
